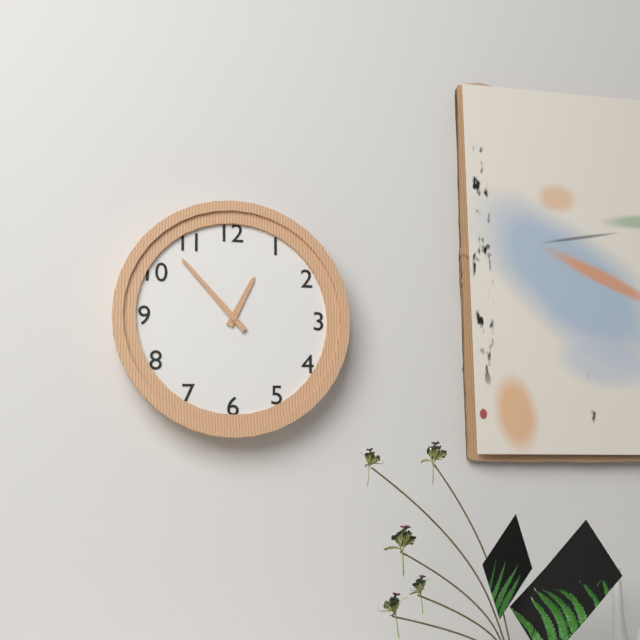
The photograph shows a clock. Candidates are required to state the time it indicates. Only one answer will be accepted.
12:53
